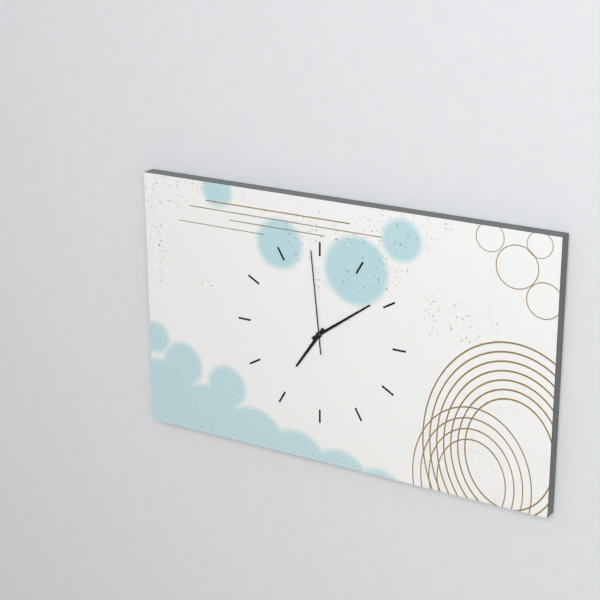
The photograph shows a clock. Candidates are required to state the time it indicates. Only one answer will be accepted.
7:09:59
